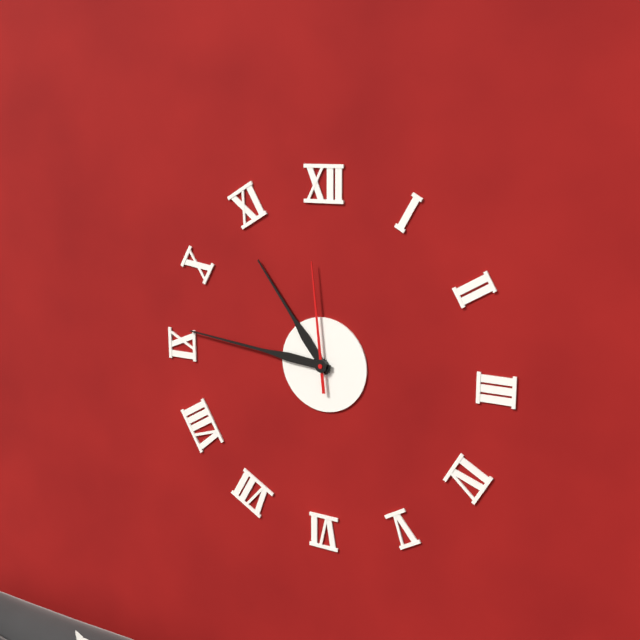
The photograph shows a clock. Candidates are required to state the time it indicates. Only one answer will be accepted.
10:46:59
